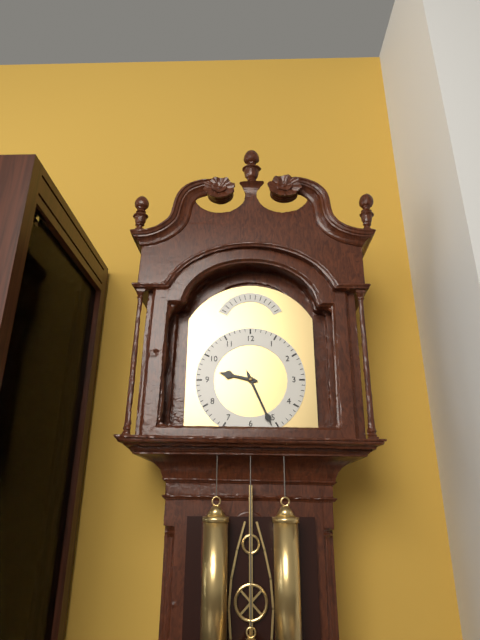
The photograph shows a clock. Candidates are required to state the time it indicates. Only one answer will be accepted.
9:26
